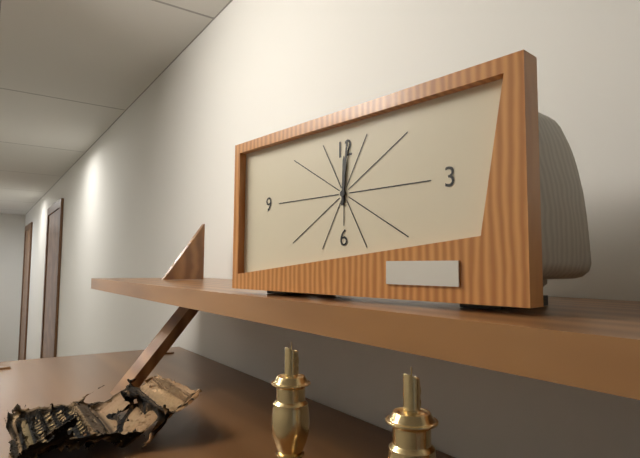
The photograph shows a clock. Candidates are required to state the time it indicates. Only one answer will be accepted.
12:01
